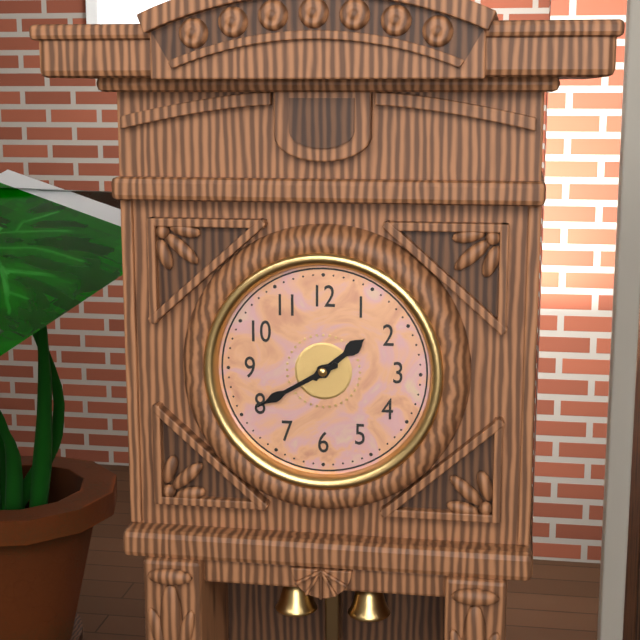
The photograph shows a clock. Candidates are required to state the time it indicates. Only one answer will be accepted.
1:40
